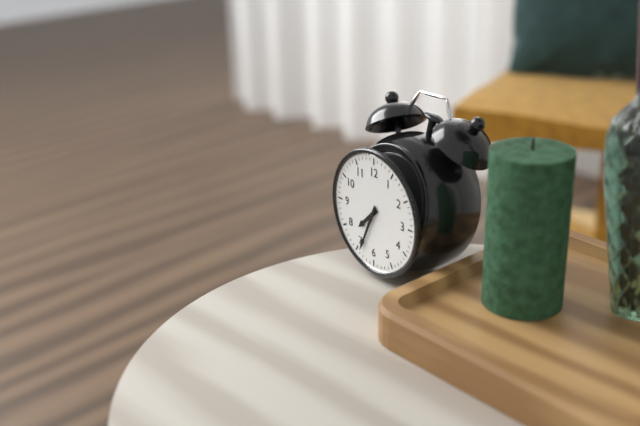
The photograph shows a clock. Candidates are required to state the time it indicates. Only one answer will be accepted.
7:34
